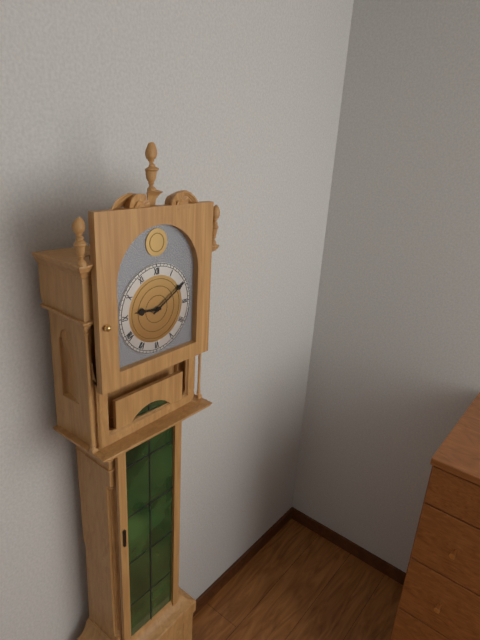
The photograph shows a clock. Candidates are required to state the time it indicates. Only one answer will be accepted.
9:10
